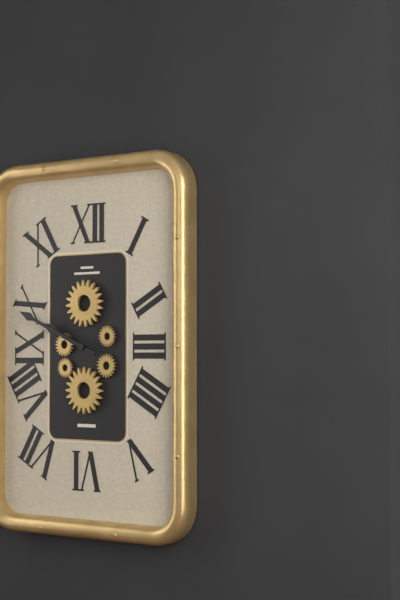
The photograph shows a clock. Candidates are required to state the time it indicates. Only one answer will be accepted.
9:49
